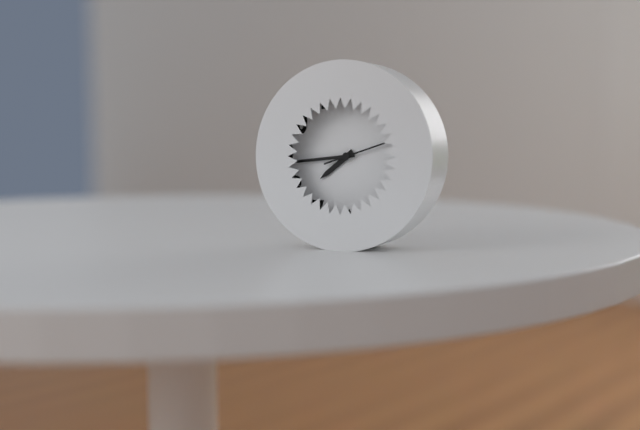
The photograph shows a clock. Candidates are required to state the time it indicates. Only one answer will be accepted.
7:44:12
